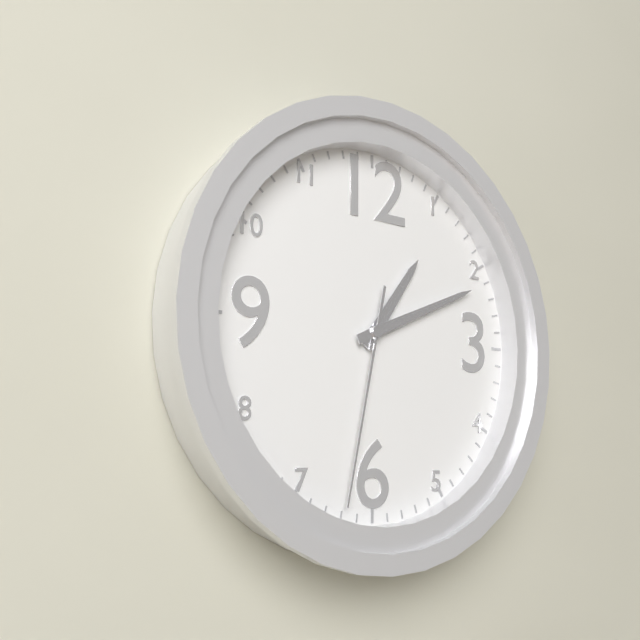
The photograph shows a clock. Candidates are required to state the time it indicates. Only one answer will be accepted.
1:11:32
